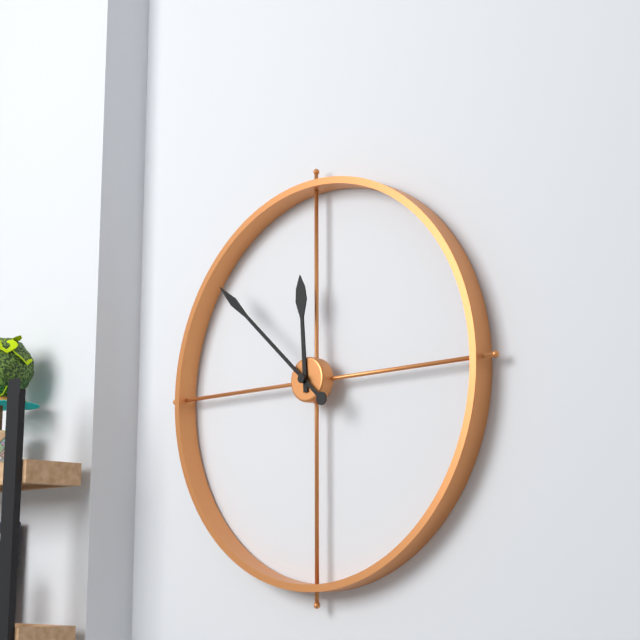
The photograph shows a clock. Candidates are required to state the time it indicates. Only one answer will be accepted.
11:52
